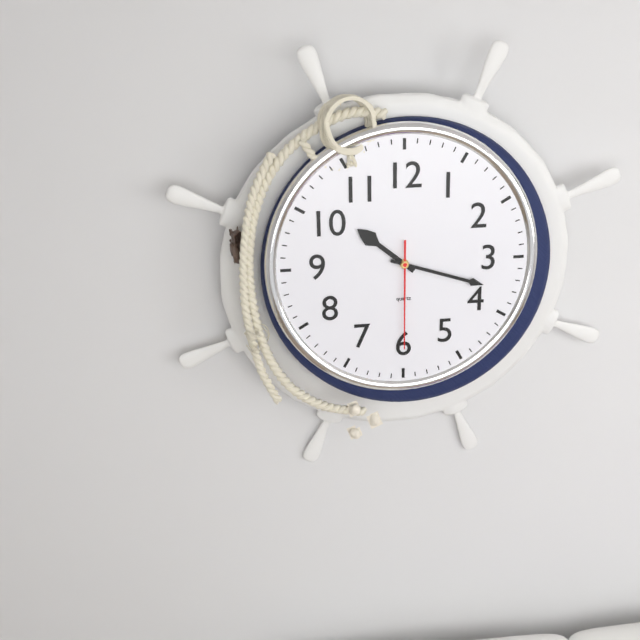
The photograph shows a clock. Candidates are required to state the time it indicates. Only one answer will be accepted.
10:18:30
